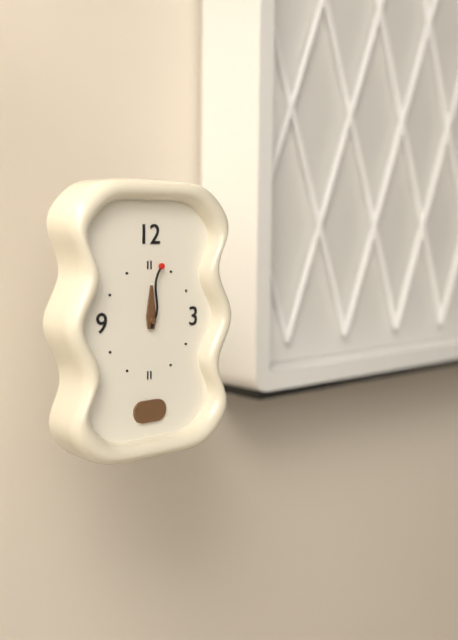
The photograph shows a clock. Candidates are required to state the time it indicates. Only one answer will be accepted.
12:02
